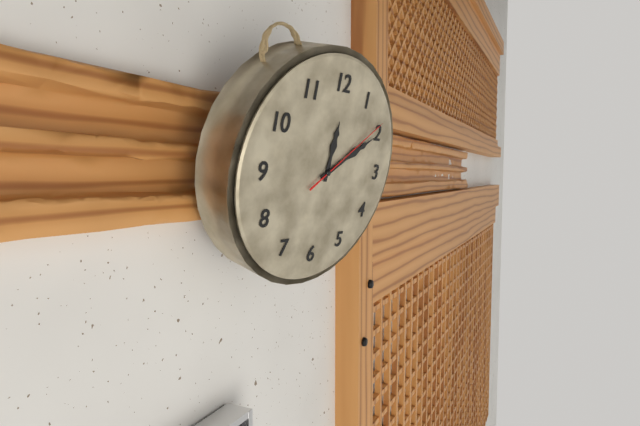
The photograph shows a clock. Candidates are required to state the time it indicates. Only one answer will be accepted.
12:10:09
